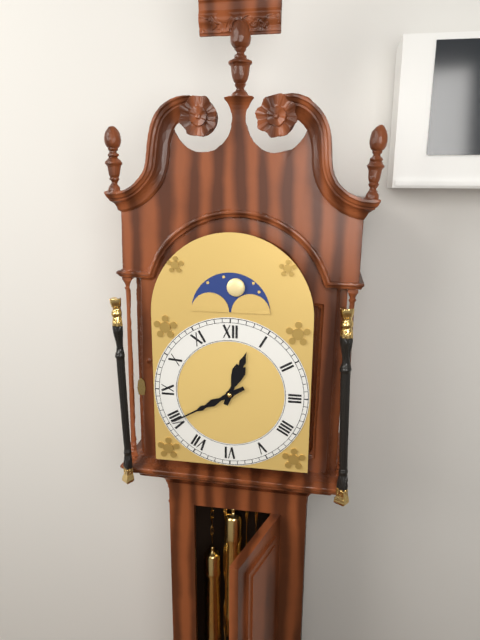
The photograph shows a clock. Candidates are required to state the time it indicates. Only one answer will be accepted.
12:40
